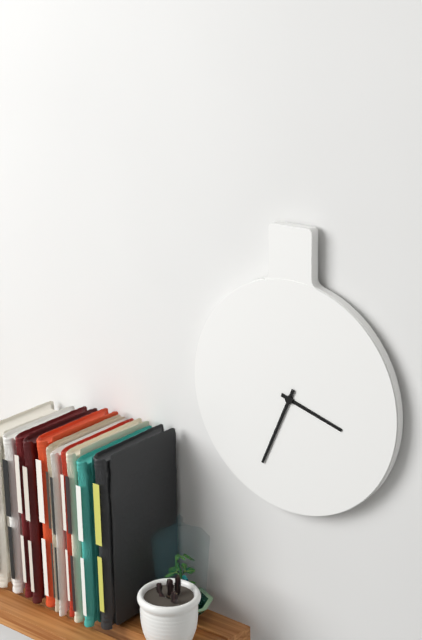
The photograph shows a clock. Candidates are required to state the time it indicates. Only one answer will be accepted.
3:34
